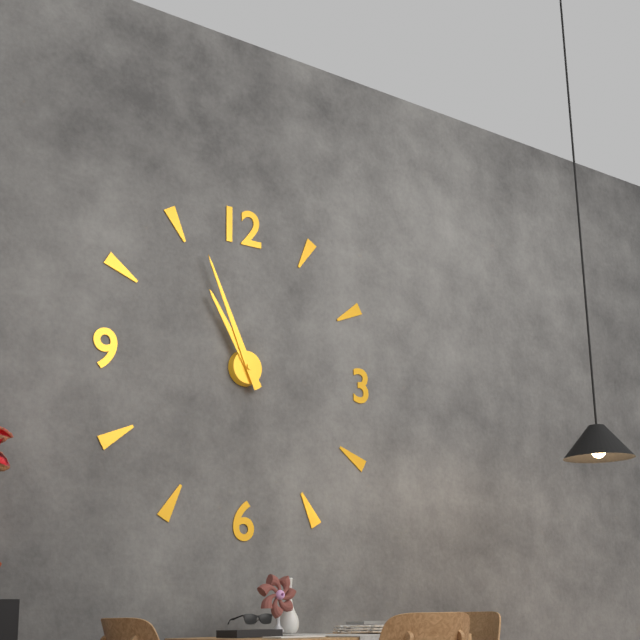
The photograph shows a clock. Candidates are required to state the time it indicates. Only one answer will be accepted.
10:56
